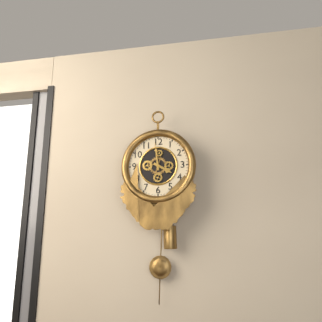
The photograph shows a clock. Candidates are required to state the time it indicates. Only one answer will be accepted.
3:59
